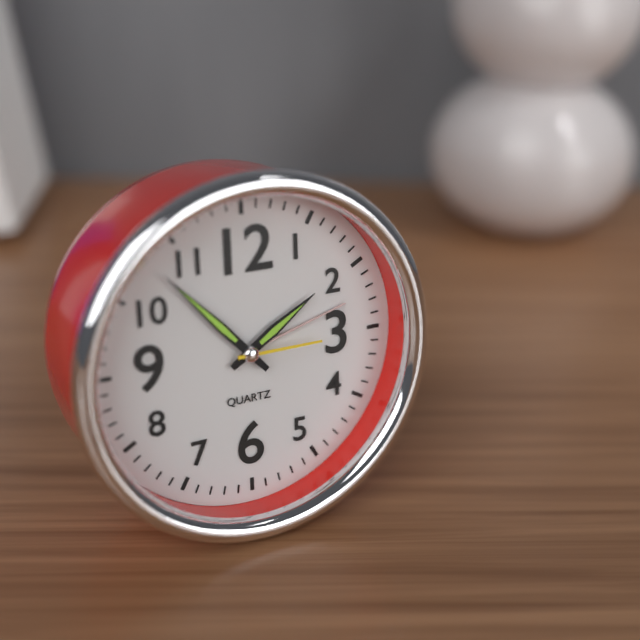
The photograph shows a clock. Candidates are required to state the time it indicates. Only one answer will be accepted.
1:53:15
